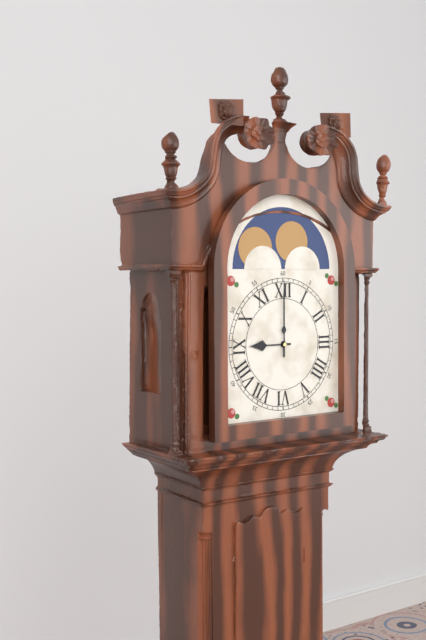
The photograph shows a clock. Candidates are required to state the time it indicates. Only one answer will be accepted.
9:00
